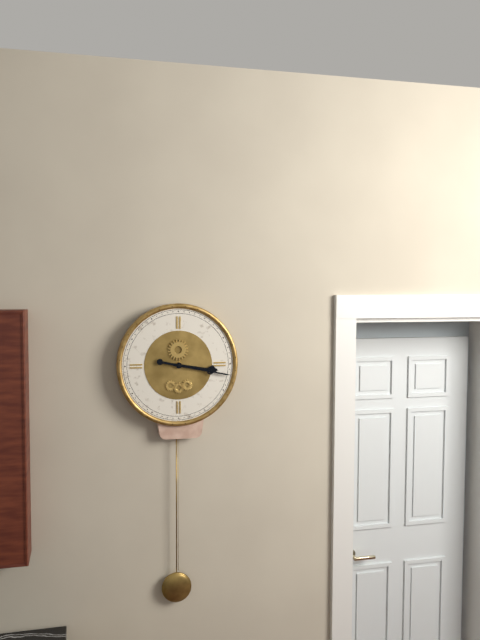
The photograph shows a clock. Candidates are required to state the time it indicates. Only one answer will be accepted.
3:17
